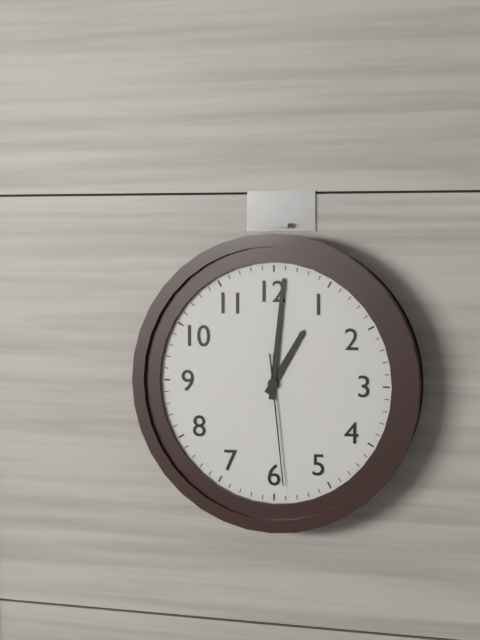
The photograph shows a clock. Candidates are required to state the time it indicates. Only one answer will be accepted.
1:01:29
